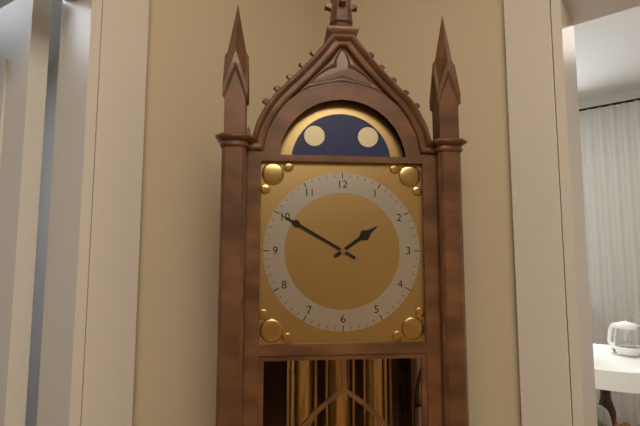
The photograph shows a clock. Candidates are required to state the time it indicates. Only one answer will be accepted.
1:50
